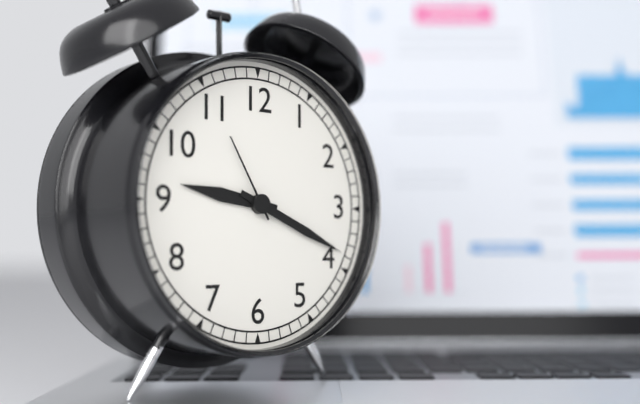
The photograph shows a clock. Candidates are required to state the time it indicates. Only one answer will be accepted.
9:19:55
